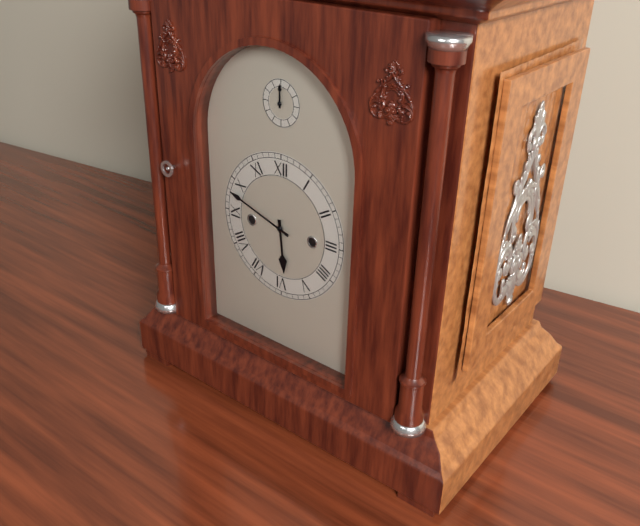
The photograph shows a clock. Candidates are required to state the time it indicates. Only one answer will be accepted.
5:48
